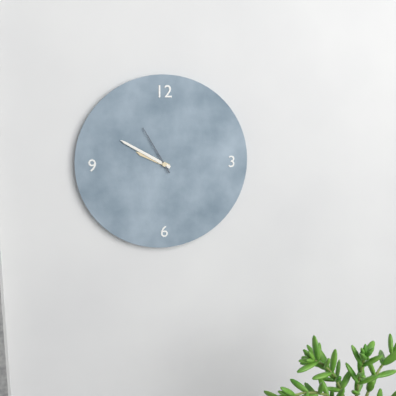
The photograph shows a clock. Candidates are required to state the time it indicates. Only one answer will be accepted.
9:50:55
